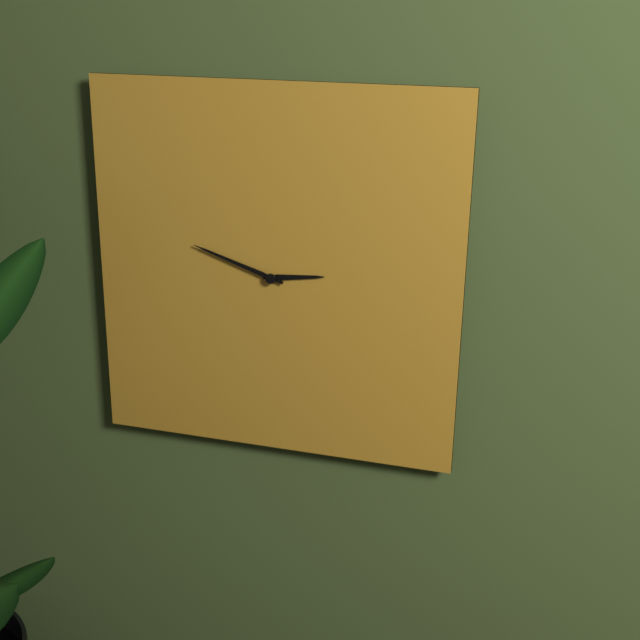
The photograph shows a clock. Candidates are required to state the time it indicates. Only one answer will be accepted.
2:48
